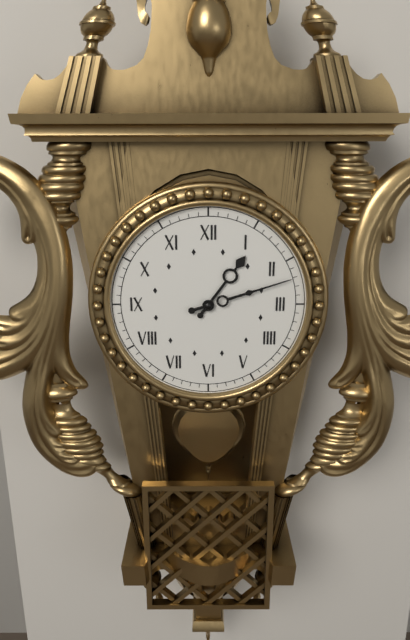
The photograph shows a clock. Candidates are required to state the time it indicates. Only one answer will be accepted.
1:12
